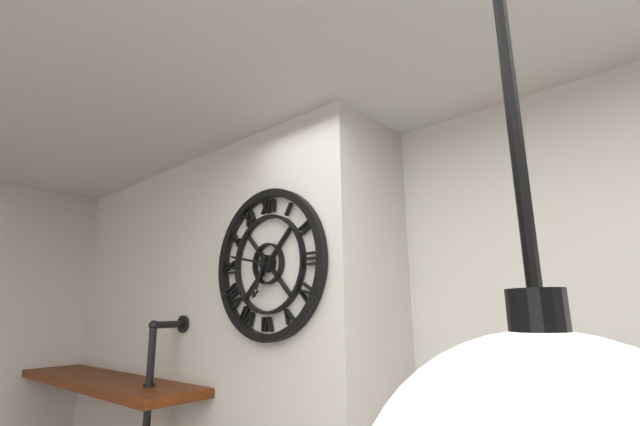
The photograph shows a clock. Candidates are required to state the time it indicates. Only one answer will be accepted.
6:47
